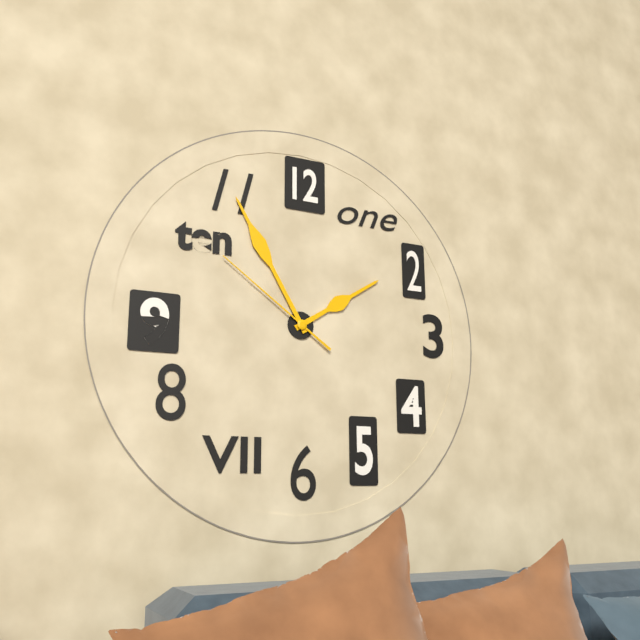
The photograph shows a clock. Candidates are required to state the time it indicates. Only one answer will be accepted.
1:55:51
